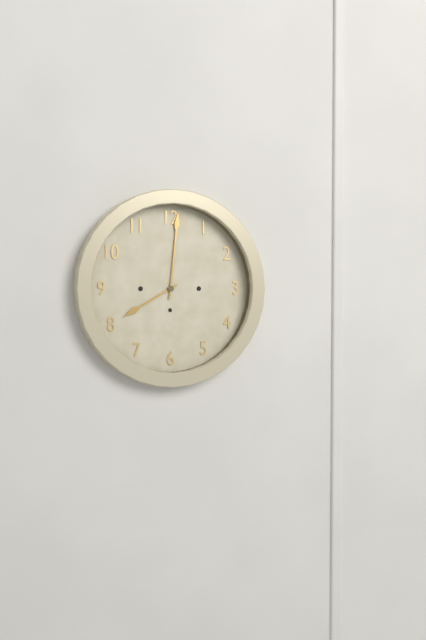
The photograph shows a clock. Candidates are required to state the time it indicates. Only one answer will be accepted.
8:01
